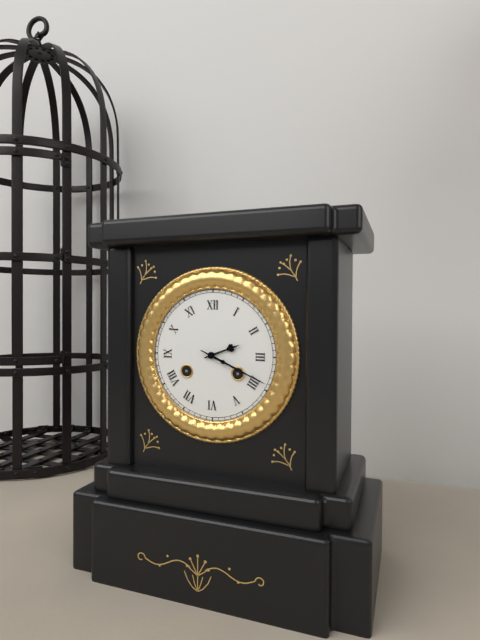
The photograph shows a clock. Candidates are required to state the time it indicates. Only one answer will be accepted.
2:19
